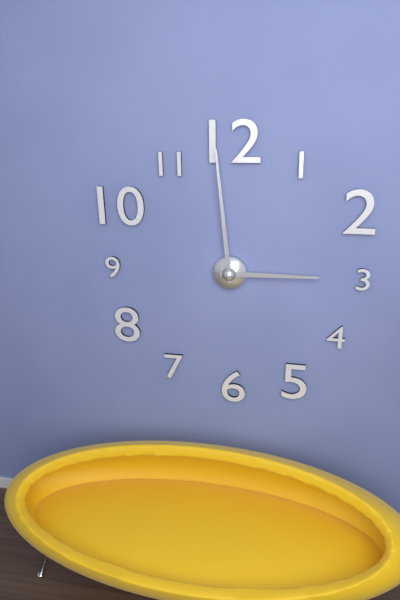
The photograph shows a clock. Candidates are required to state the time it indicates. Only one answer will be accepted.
2:59
